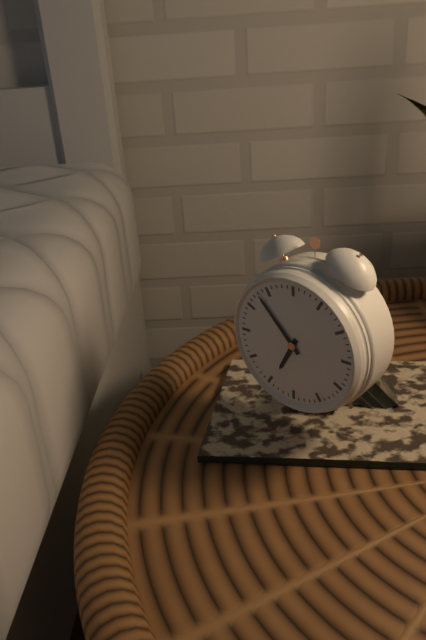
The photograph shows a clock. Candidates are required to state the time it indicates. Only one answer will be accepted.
6:53
